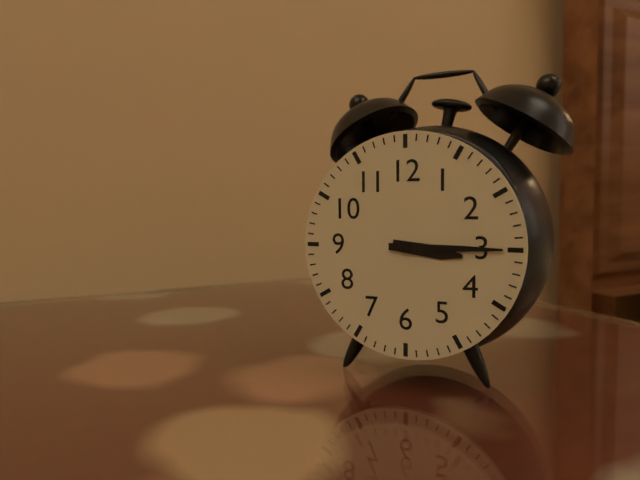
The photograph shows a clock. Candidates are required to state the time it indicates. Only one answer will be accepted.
3:15
